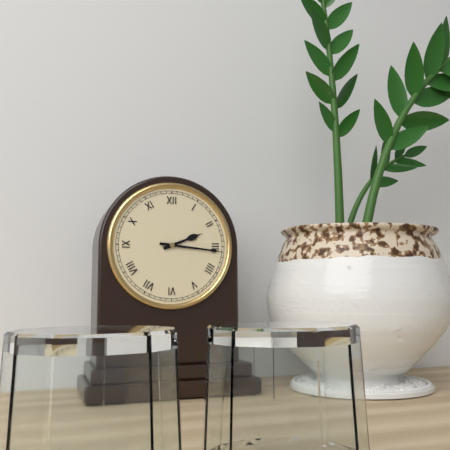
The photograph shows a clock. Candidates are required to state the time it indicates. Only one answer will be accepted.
2:16
